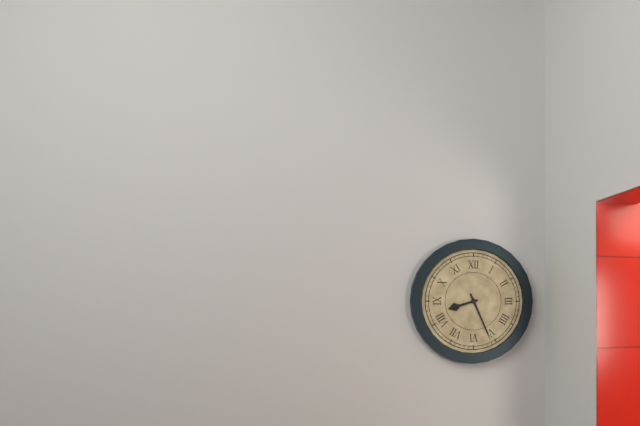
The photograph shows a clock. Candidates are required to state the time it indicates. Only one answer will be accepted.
8:26
